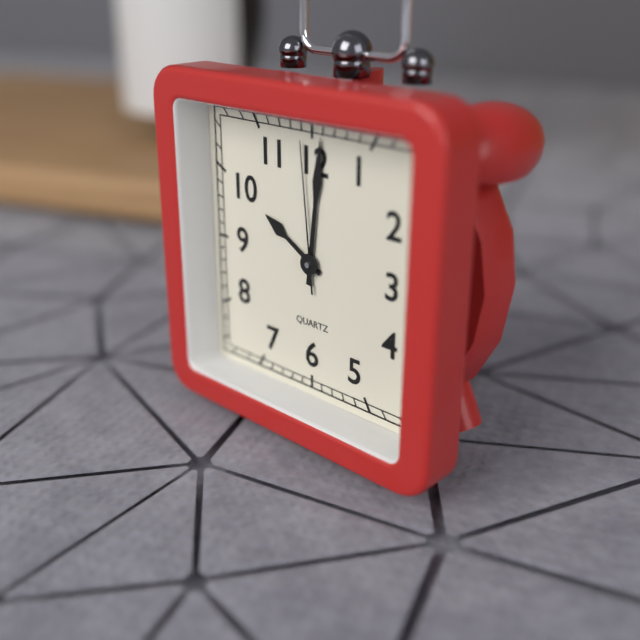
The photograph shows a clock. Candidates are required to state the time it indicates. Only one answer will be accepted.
10:01:59
